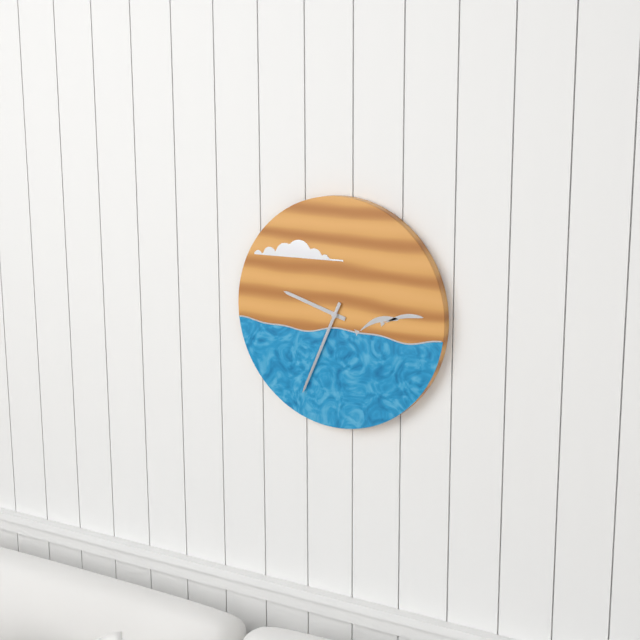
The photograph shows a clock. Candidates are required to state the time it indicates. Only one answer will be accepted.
9:34
